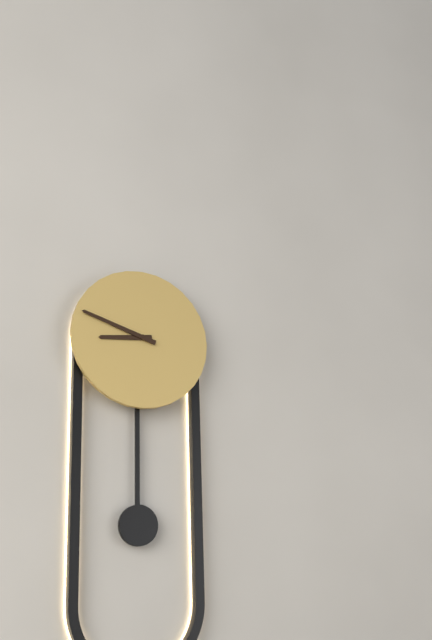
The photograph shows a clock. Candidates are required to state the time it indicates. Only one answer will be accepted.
8:48
